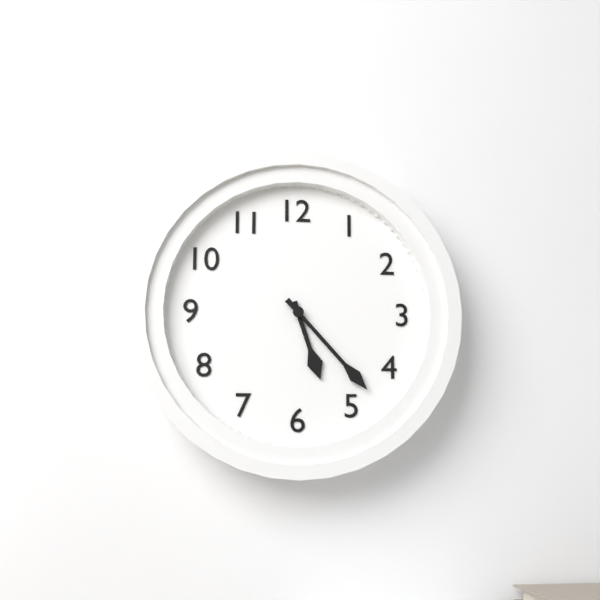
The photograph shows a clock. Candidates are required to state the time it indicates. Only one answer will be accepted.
5:23
